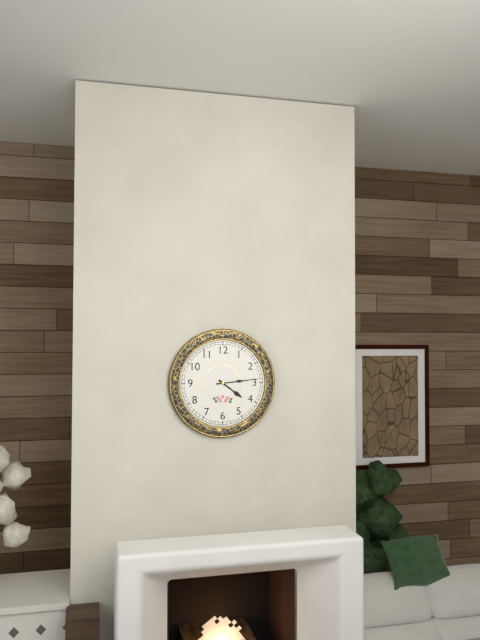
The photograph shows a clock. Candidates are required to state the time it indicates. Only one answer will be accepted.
4:14
